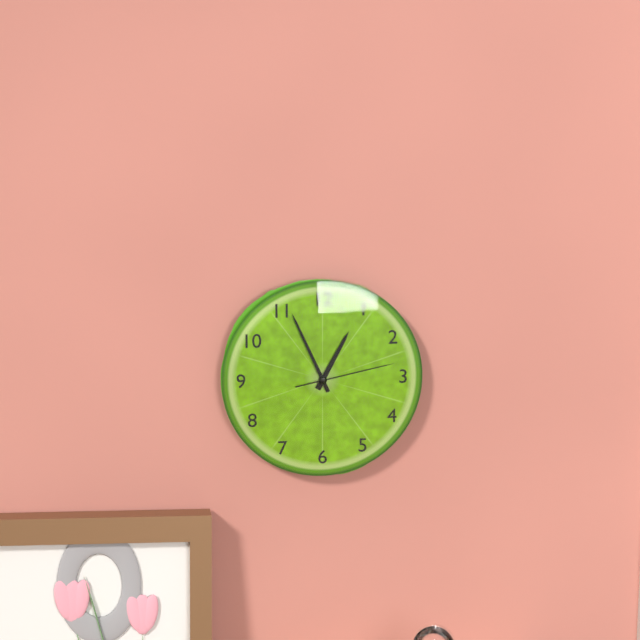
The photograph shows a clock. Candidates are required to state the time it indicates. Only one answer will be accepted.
12:56:13
